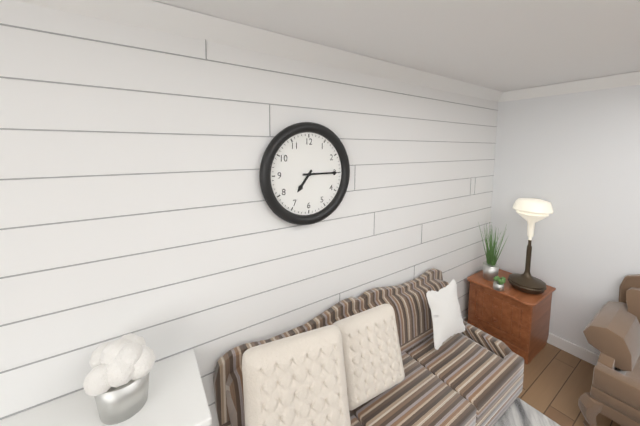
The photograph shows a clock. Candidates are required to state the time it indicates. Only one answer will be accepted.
7:15
